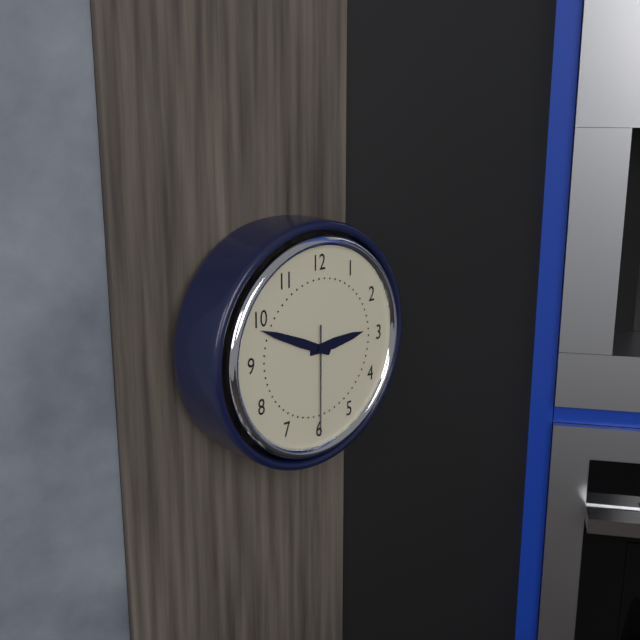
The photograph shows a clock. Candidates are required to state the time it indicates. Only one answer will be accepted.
2:49:30
